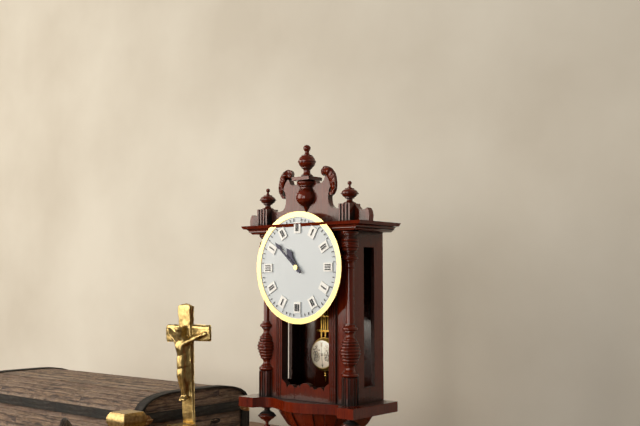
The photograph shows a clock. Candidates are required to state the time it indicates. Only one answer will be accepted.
10:52
